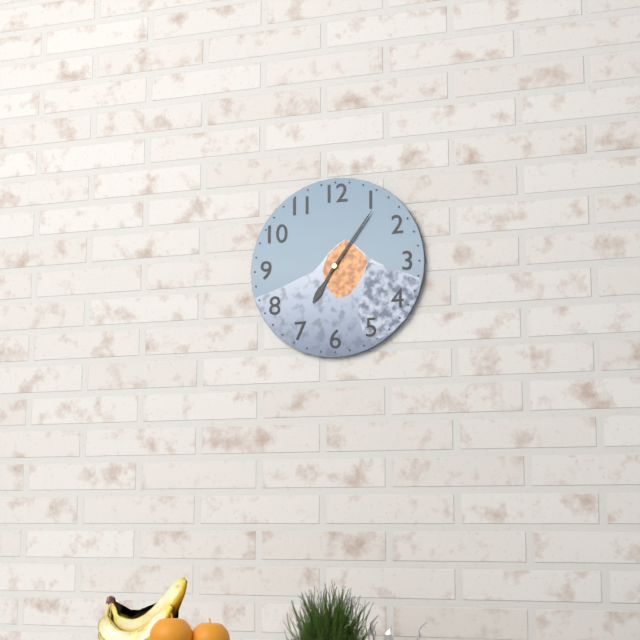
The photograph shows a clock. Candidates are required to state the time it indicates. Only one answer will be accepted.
7:06
